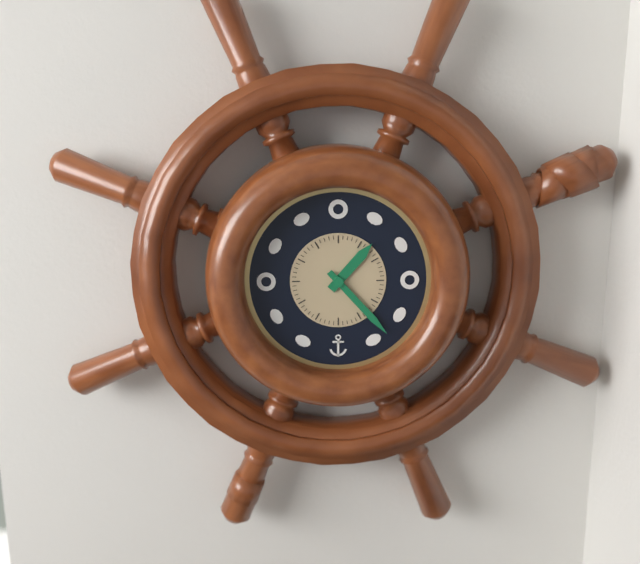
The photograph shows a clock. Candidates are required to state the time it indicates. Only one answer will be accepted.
1:23
